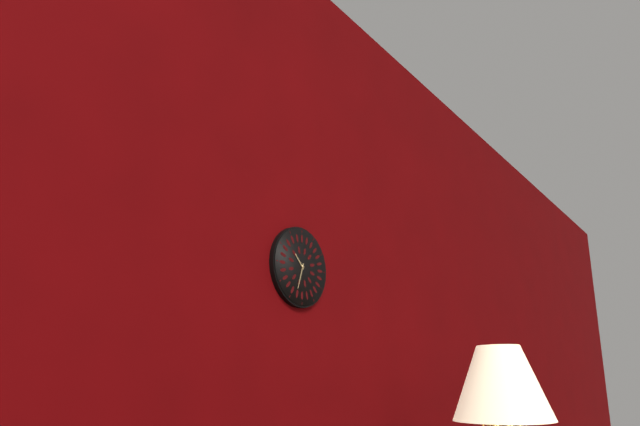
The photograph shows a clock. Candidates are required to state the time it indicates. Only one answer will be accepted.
10:33
